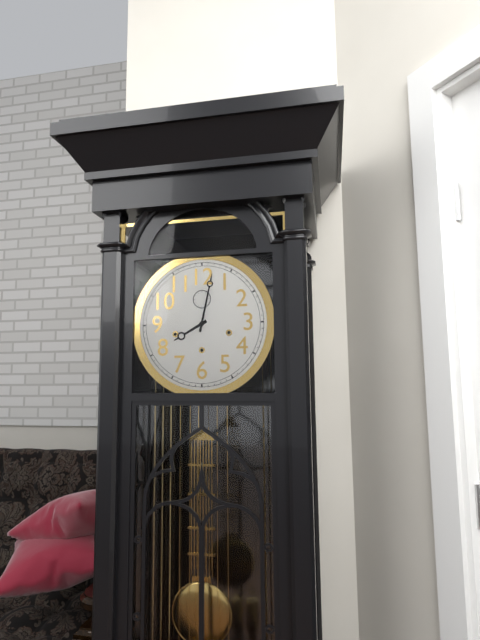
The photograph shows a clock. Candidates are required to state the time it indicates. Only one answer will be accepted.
8:02
